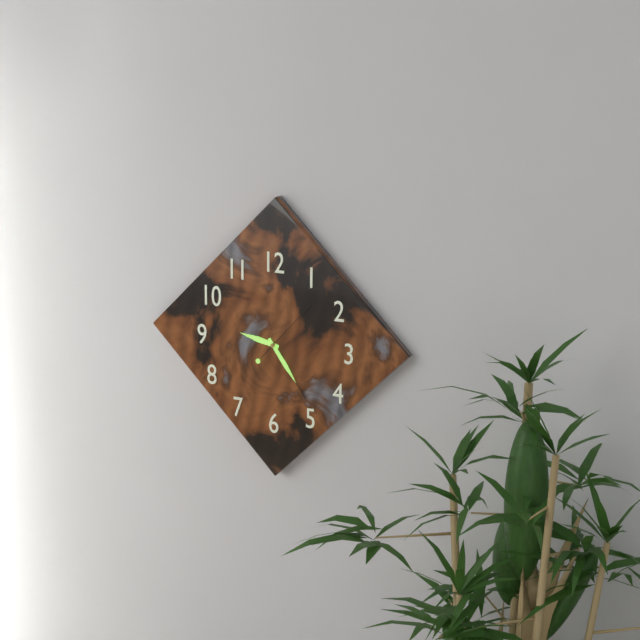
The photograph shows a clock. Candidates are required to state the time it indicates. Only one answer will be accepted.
9:24:07
